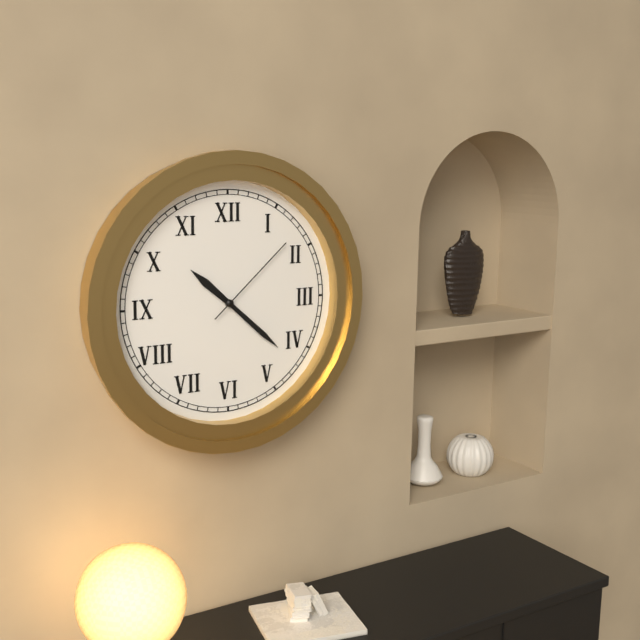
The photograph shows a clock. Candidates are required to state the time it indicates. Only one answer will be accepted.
10:22:08
